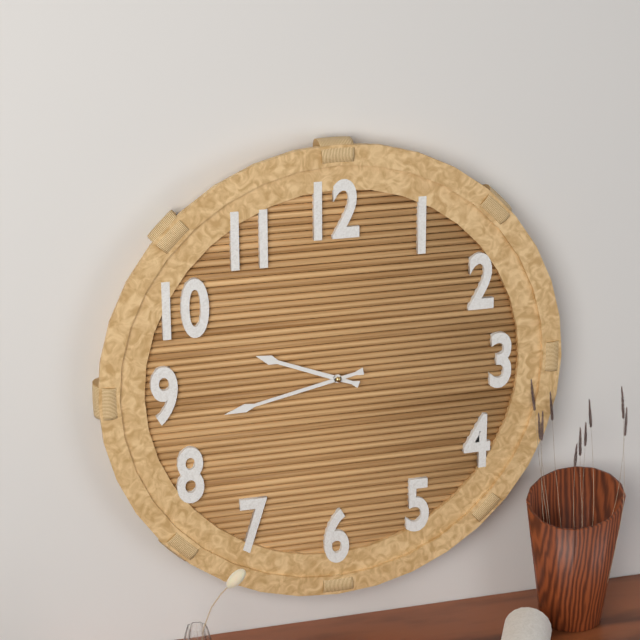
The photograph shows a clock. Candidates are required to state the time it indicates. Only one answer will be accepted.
9:43
